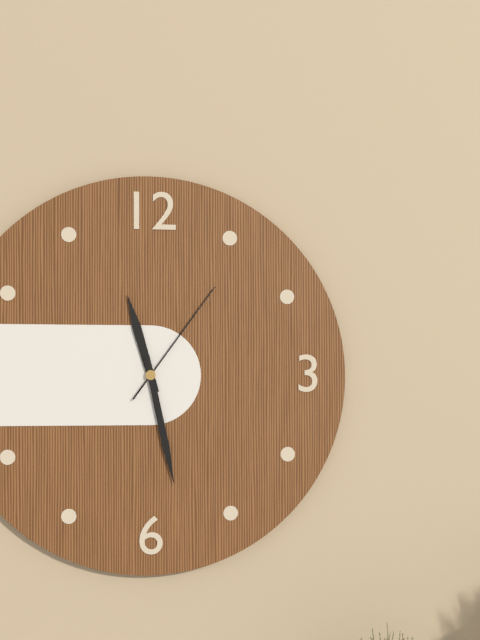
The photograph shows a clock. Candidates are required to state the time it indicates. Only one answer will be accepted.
11:28:06
